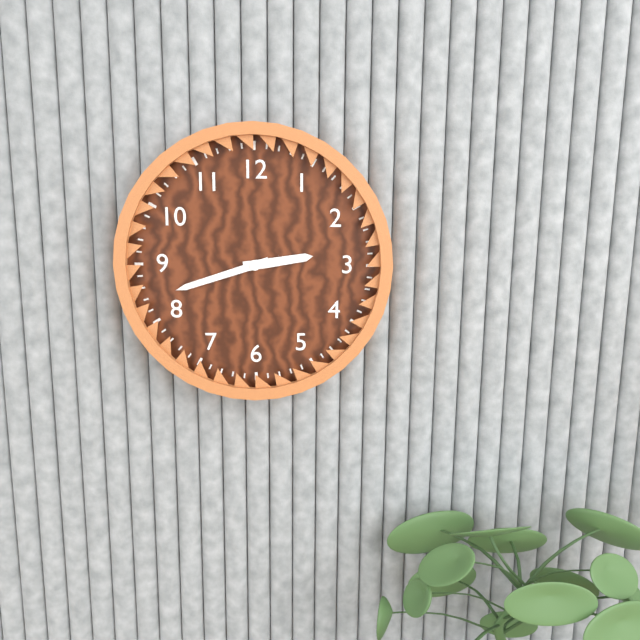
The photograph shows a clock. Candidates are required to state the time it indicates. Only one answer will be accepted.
2:42
